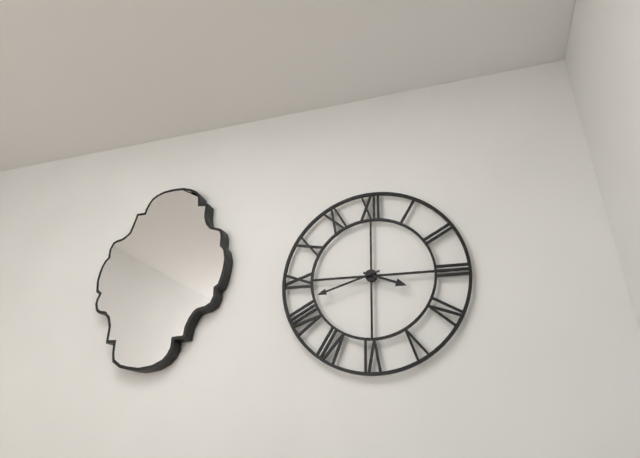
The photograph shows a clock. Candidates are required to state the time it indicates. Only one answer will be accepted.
3:42
